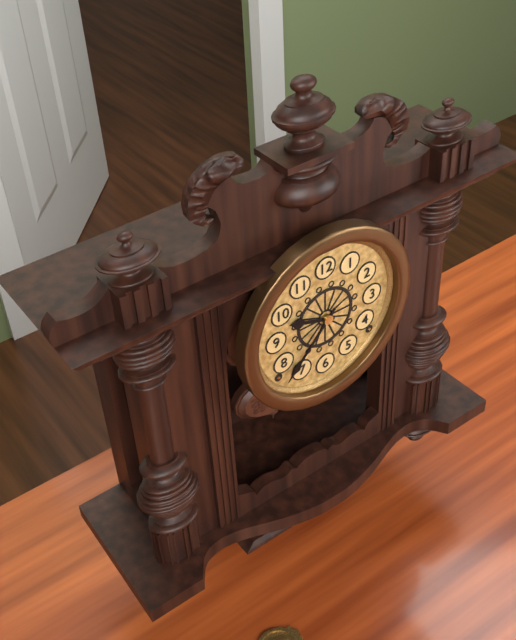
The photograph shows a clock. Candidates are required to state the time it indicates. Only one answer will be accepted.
9:37
